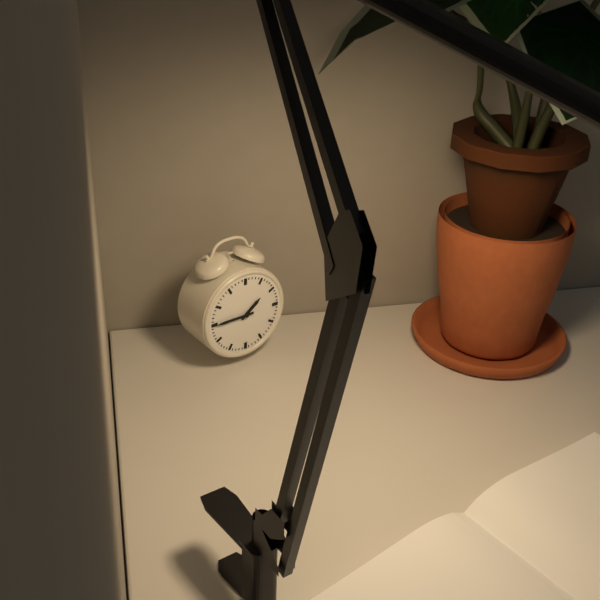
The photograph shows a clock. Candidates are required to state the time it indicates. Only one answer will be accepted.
1:45
